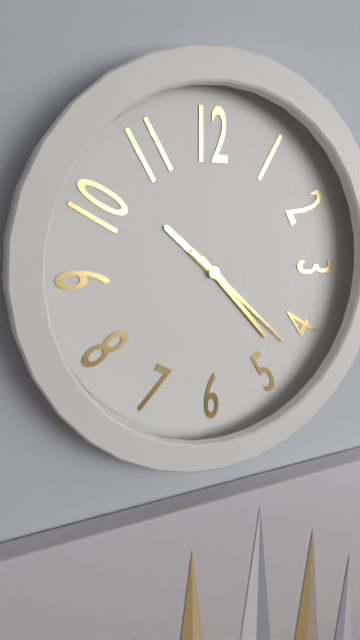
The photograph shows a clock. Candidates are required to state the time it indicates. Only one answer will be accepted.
10:23:22
